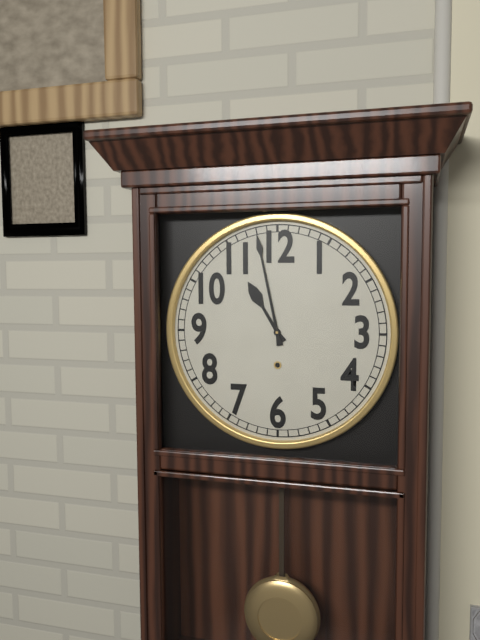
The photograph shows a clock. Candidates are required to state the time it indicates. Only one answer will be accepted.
10:58
